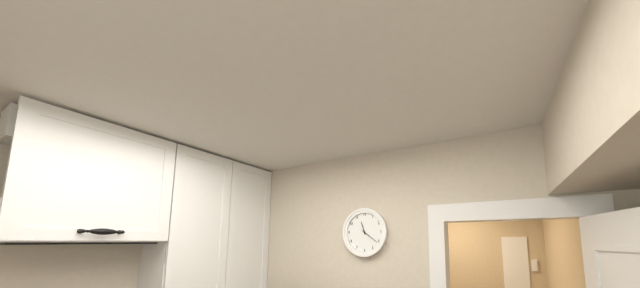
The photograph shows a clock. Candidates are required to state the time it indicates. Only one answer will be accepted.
11:21
